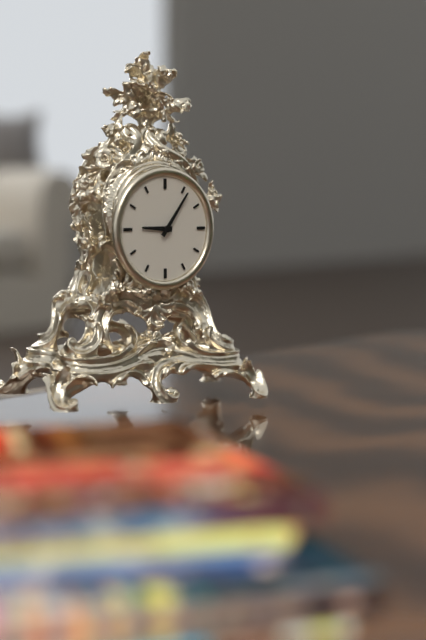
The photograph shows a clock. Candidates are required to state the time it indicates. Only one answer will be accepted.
9:06
